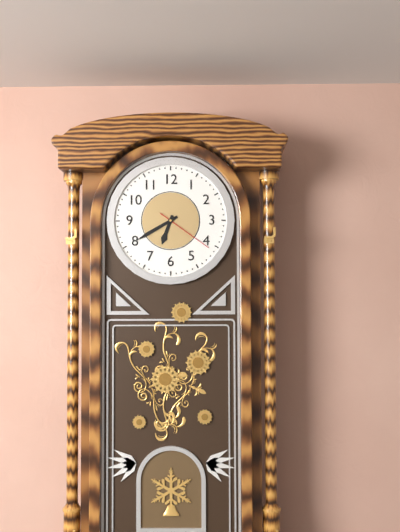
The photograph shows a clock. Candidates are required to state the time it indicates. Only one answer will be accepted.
6:40:21
